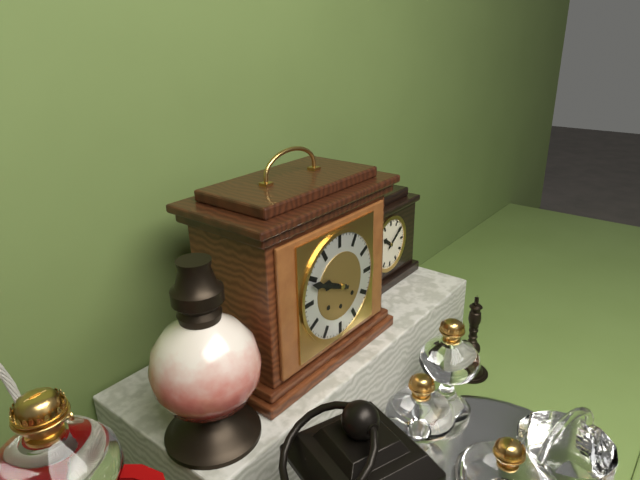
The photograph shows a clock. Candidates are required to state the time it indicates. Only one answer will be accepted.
9:49
